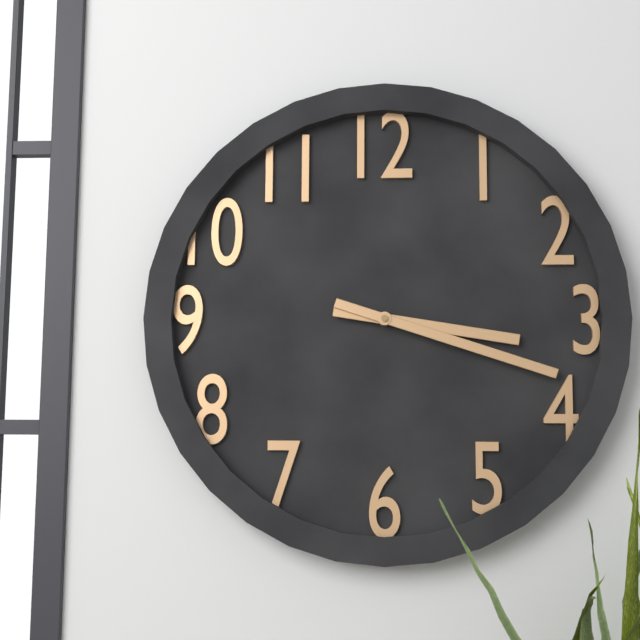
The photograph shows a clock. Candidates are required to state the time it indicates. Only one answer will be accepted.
3:18
